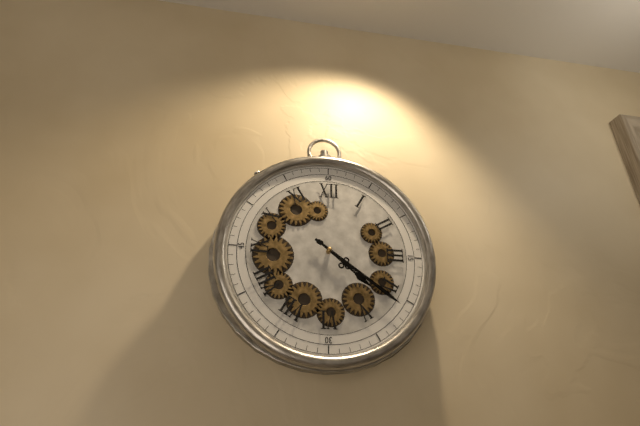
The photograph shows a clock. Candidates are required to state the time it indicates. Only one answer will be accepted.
4:21
